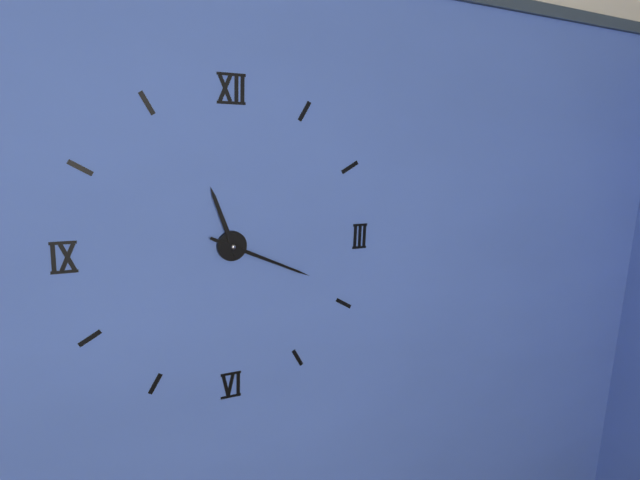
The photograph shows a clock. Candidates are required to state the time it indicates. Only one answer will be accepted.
11:19
